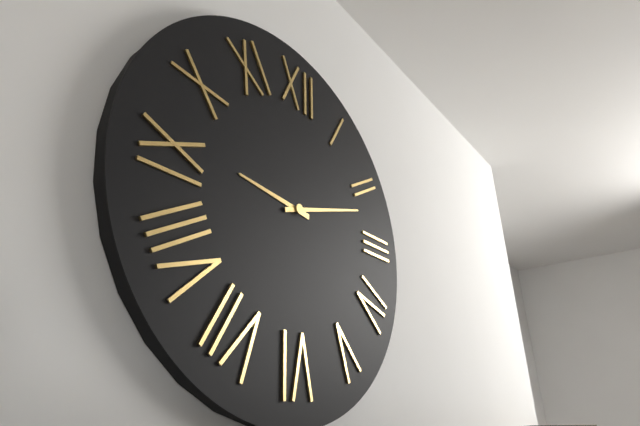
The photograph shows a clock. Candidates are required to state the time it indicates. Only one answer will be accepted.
9:12
